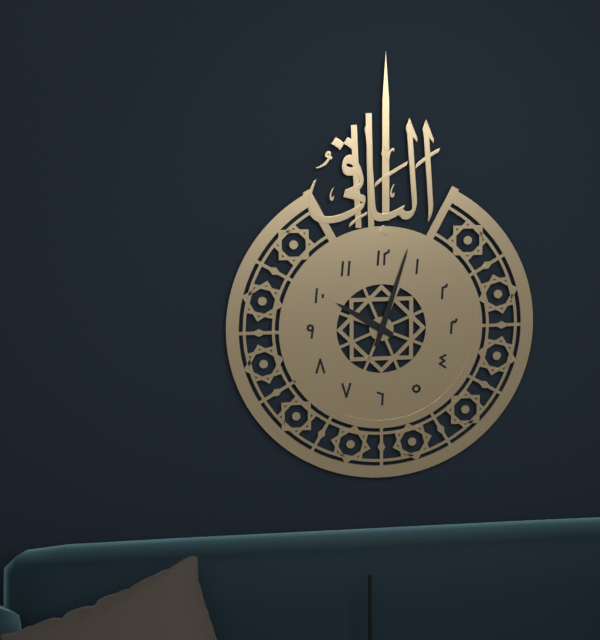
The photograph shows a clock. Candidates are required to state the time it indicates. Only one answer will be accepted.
10:03
